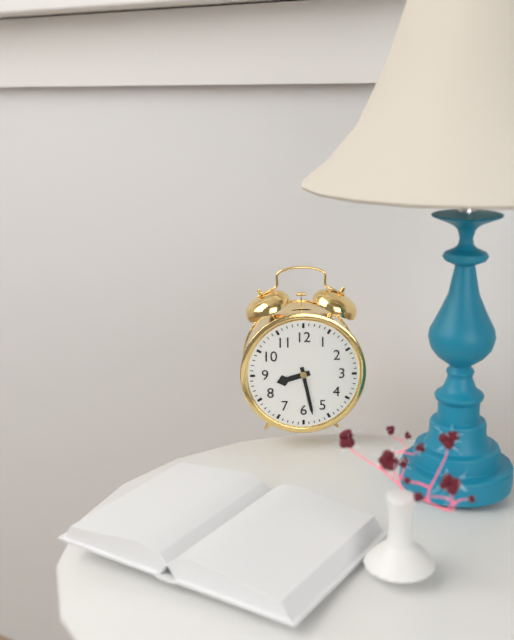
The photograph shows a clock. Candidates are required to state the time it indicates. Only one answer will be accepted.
8:28
